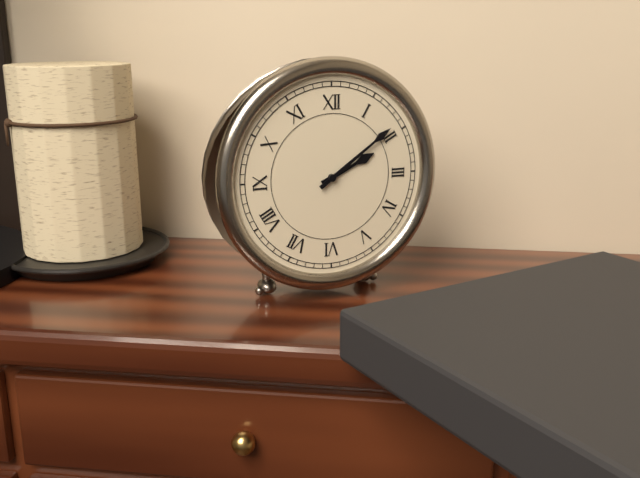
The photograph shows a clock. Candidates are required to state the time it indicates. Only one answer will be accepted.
2:09
